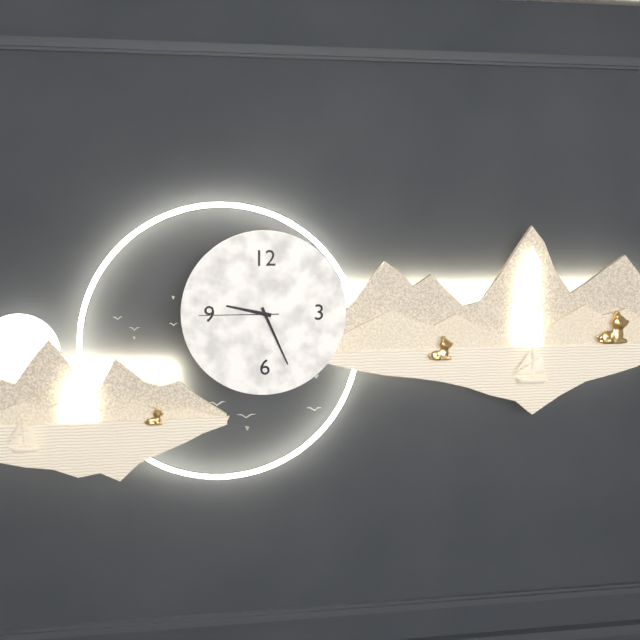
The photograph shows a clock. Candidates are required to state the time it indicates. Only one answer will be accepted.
9:26:45
